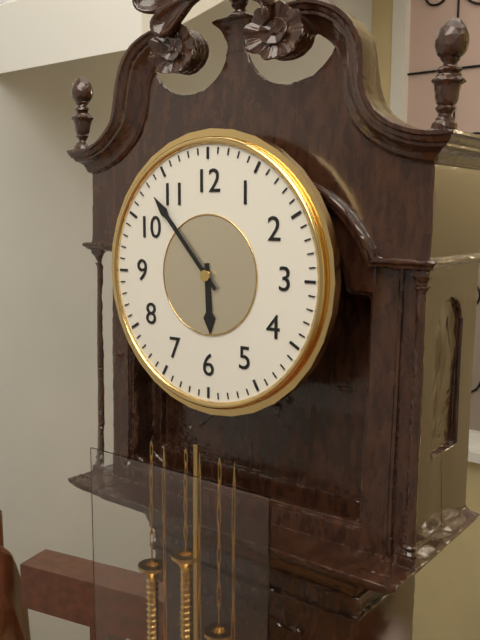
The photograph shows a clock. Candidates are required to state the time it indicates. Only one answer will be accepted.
5:53
